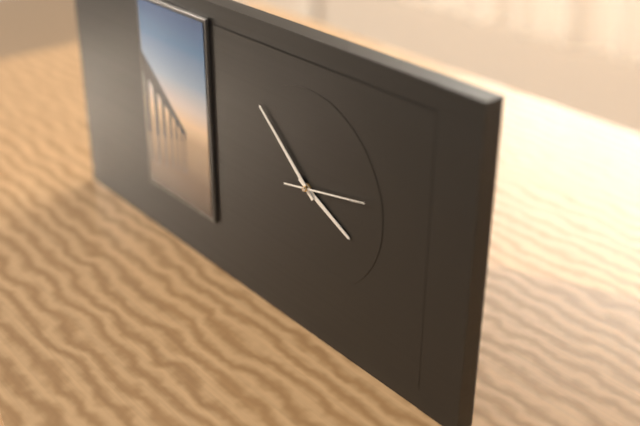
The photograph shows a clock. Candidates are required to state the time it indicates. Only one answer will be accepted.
3:52:13
